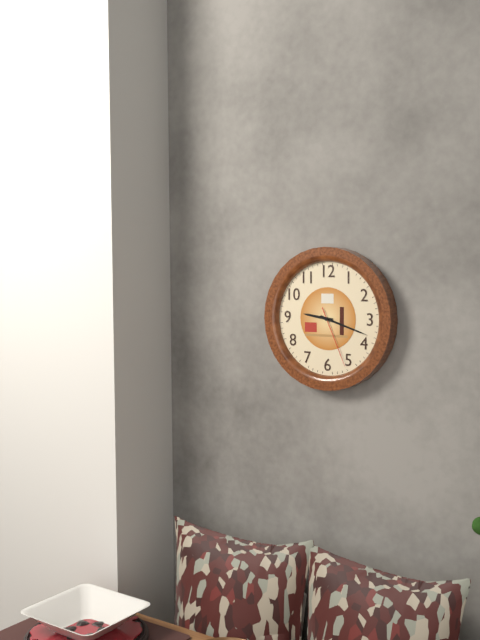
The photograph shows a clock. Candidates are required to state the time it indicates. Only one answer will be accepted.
9:18:26
